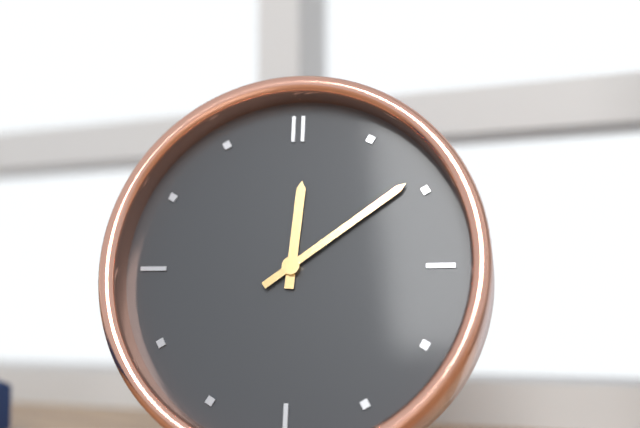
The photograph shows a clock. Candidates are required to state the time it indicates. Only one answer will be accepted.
12:09
